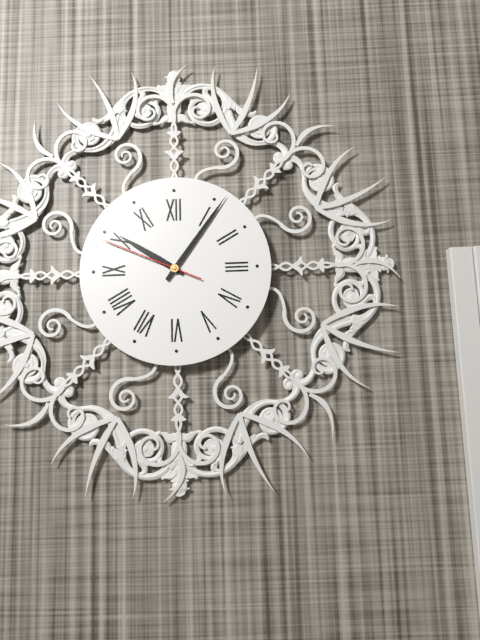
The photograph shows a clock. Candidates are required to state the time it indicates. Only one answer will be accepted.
10:06:49
